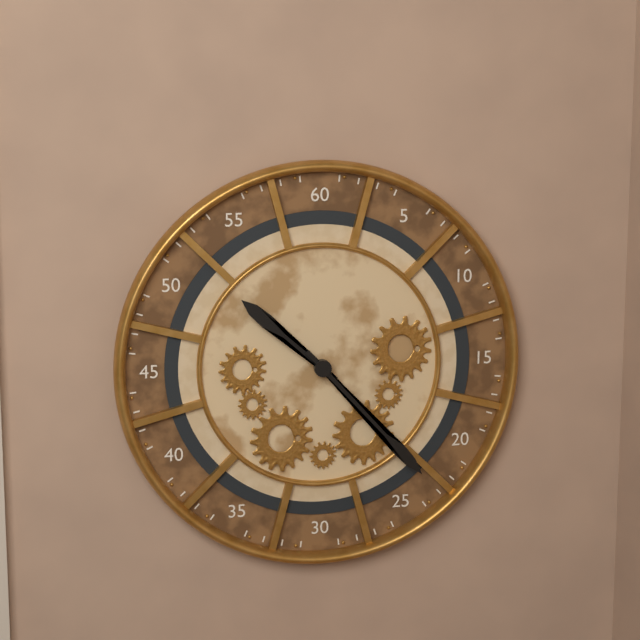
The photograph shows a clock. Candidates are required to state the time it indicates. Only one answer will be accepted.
10:23
